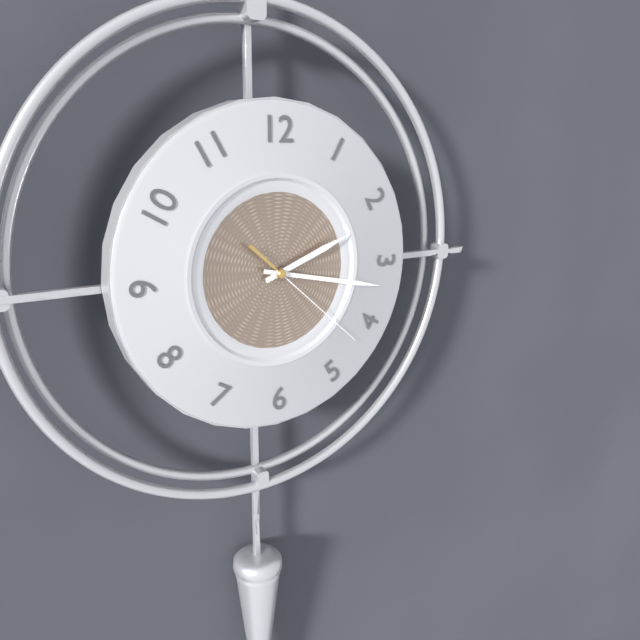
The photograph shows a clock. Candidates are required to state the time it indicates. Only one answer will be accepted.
2:17:22
